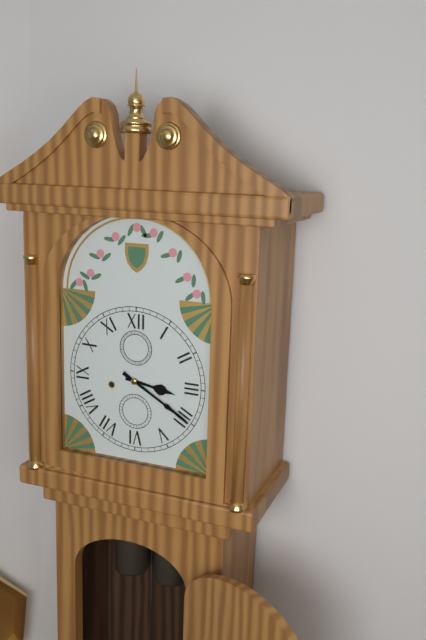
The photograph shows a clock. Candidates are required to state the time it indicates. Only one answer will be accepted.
3:20
